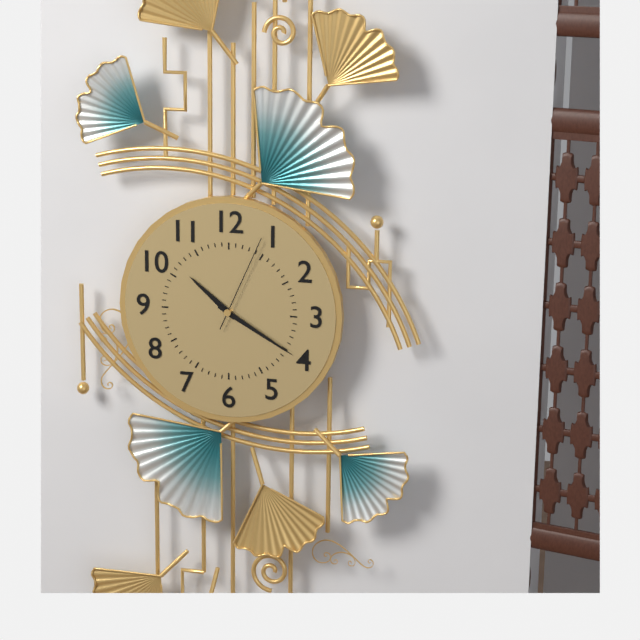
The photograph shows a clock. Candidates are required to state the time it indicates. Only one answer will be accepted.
10:20:04
